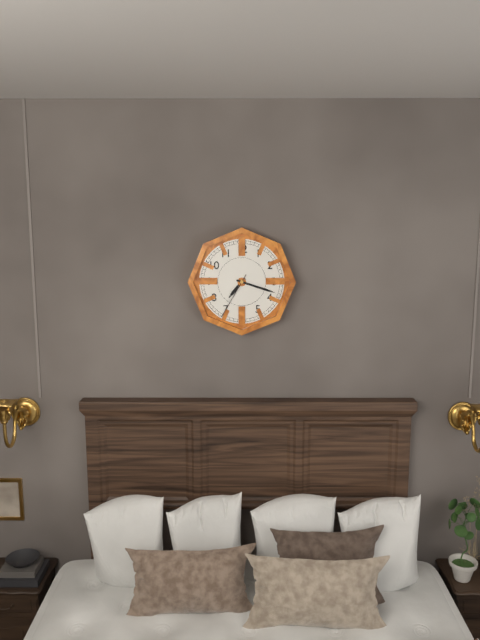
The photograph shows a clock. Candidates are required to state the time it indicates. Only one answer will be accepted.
7:18
